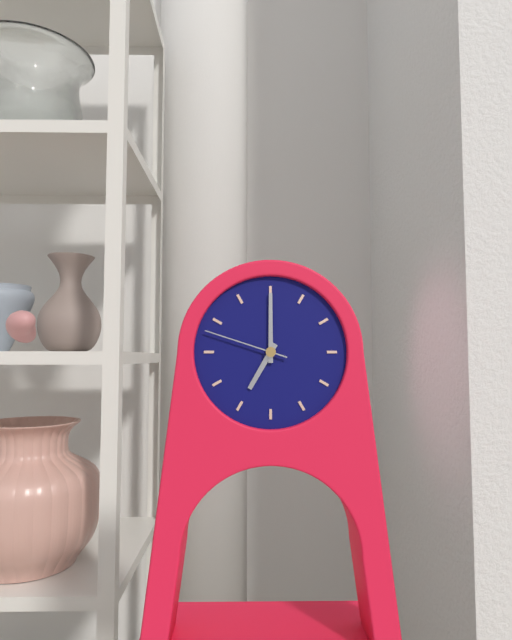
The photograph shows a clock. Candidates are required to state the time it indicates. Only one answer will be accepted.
7:00:48
